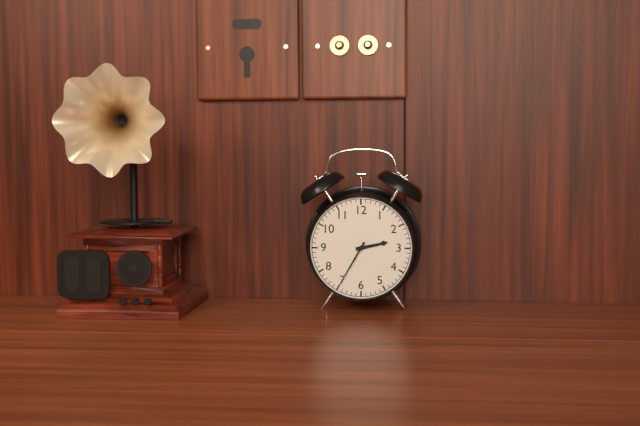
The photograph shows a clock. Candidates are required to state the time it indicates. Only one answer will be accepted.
2:35
